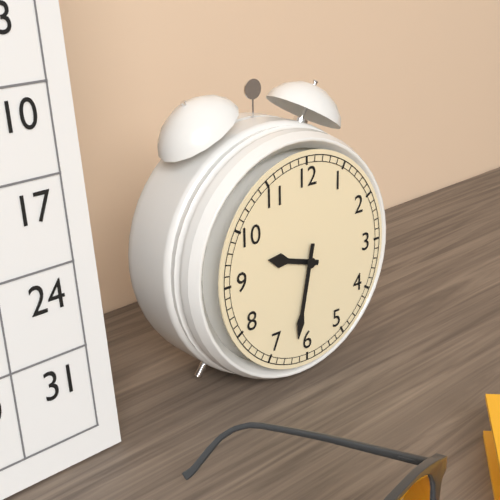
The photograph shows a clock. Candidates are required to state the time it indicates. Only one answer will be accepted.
9:32
